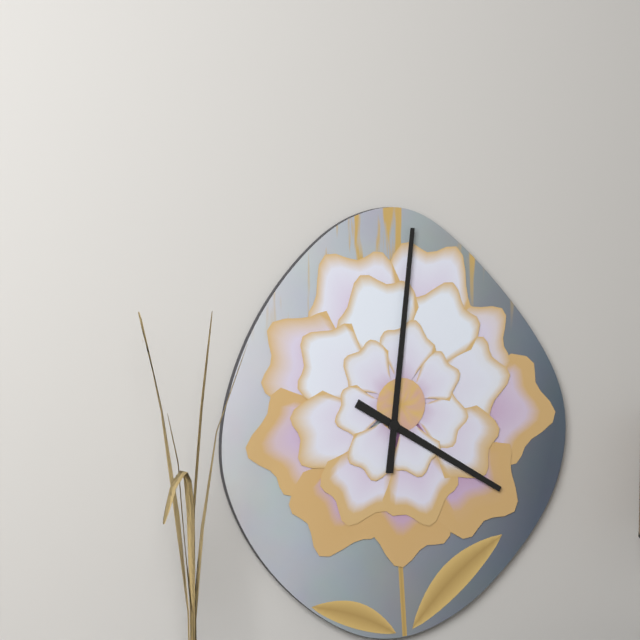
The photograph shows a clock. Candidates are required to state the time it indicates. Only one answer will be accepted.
4:01
